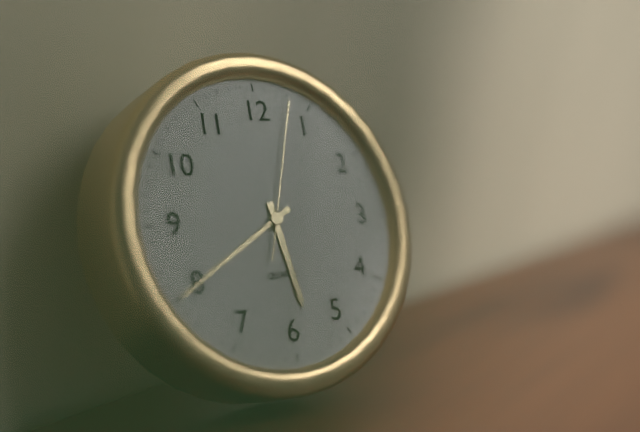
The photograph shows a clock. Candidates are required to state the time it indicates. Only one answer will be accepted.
5:40:03
